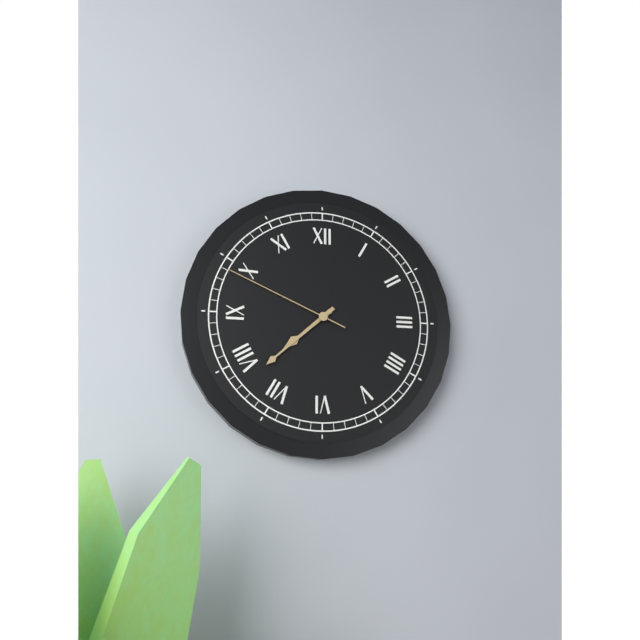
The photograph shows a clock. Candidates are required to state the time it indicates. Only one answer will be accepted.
7:38:49
